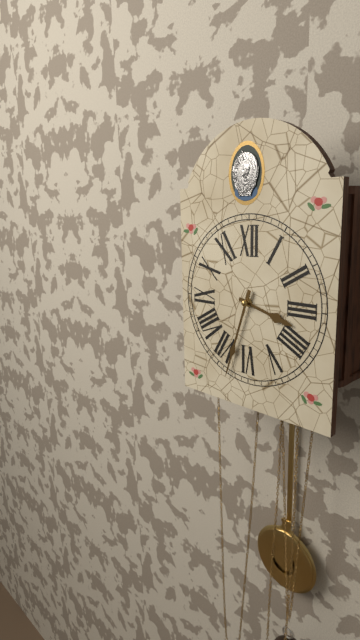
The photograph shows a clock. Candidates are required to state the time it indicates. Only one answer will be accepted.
3:33
